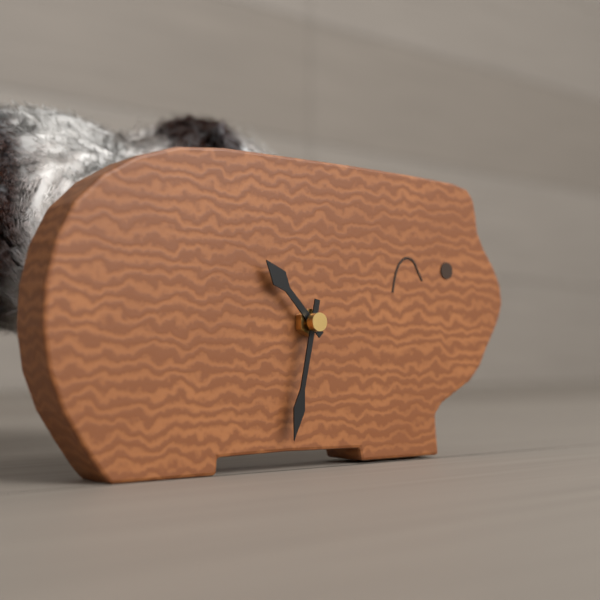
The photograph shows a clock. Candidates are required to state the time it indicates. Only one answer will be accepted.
10:32
